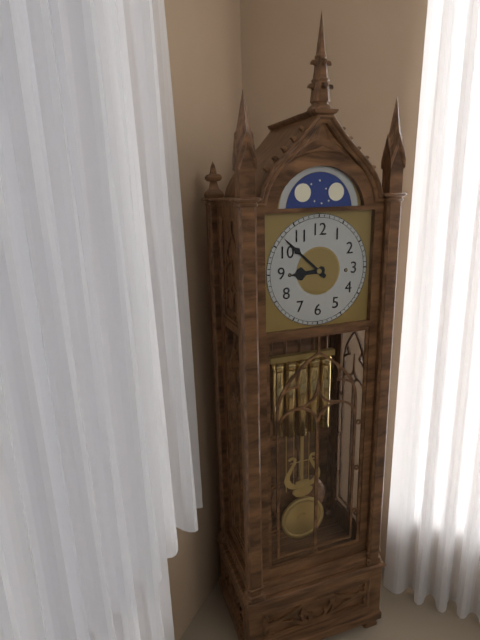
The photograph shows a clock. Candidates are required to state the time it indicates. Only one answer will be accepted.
8:52
